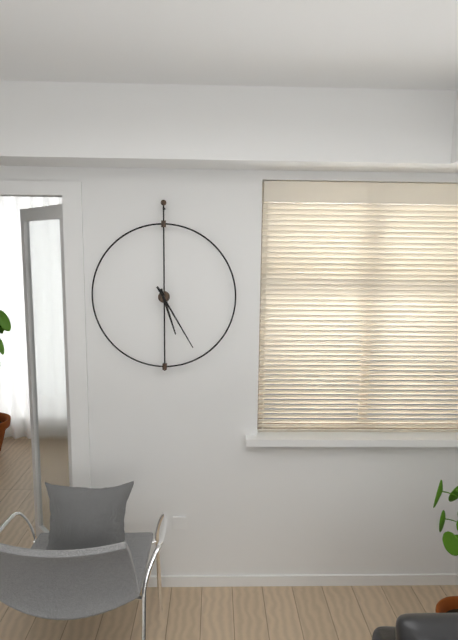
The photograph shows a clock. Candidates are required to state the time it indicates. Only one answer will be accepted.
5:25
